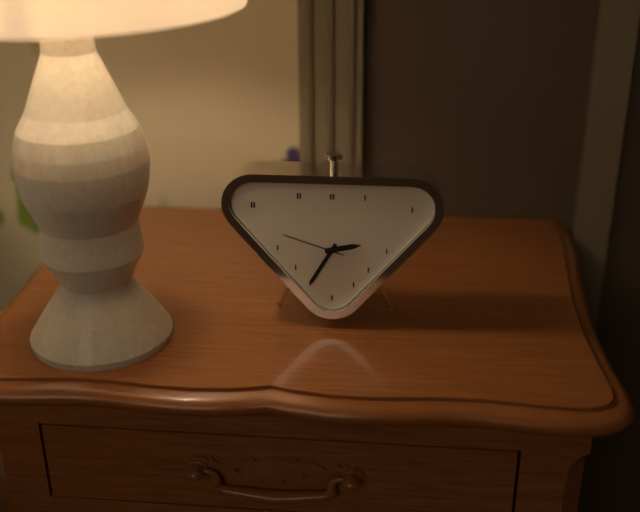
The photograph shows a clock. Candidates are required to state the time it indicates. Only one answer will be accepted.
2:35:48
